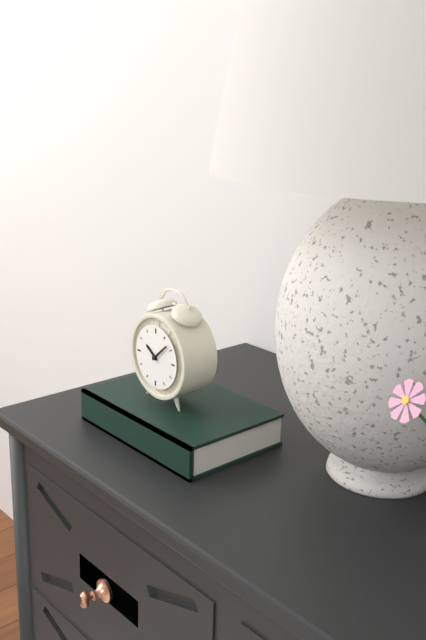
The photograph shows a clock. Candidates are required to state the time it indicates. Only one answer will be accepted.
10:08
